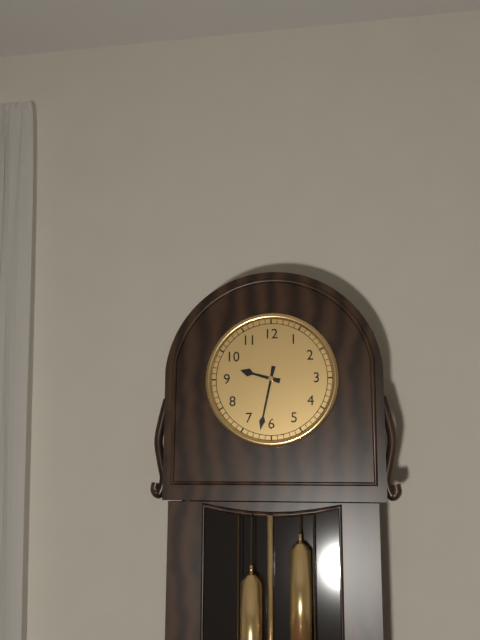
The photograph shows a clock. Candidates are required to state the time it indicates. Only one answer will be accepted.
9:32
